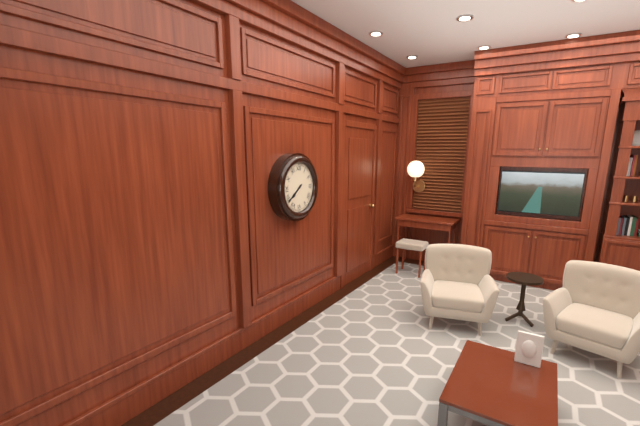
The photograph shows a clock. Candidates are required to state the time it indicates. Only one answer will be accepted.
7:39
